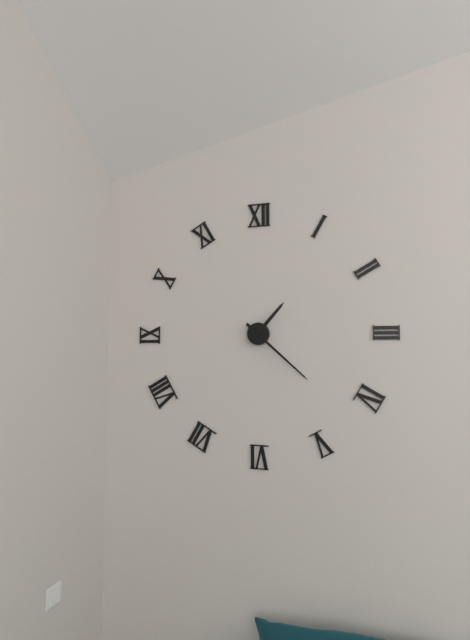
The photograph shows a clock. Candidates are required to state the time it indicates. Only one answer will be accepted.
1:22
